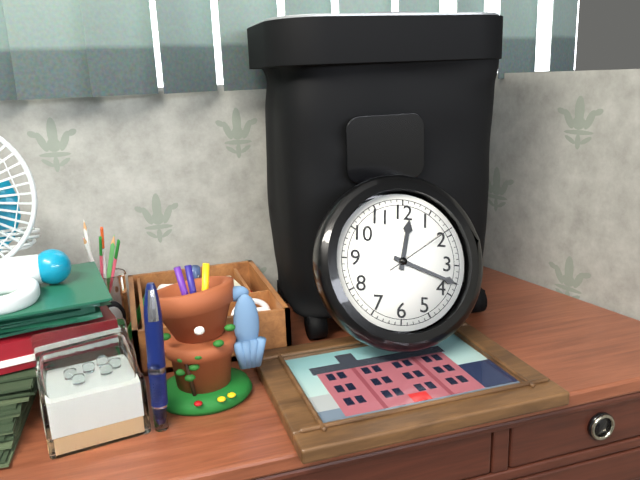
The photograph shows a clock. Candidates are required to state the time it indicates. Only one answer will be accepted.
12:18:09
